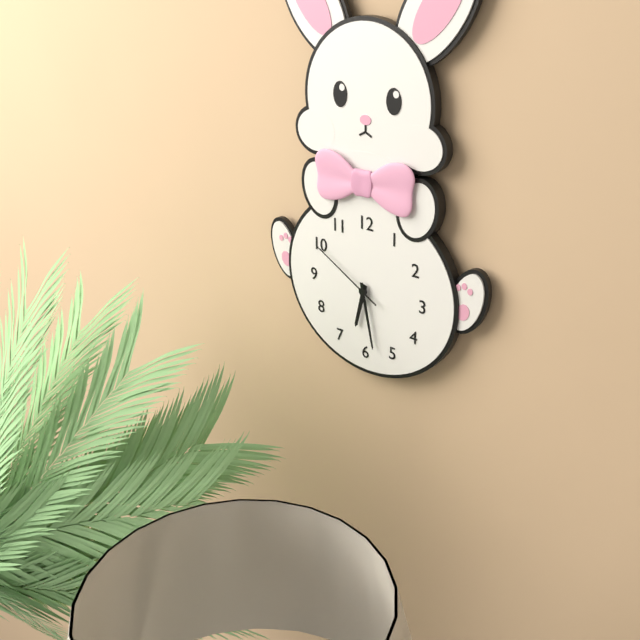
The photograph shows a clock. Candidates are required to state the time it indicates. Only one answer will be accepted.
6:28:50
